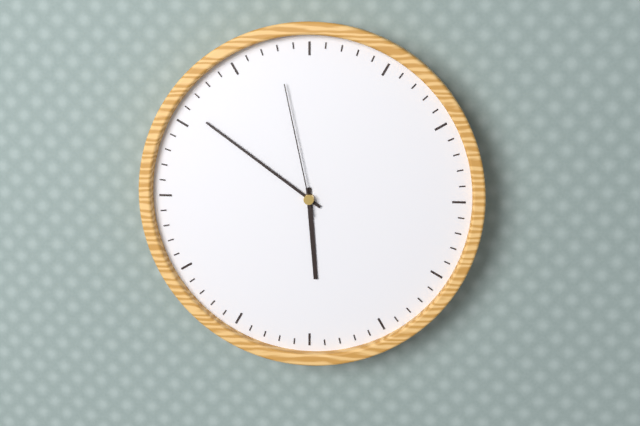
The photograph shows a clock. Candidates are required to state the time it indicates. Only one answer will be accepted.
5:51:58
